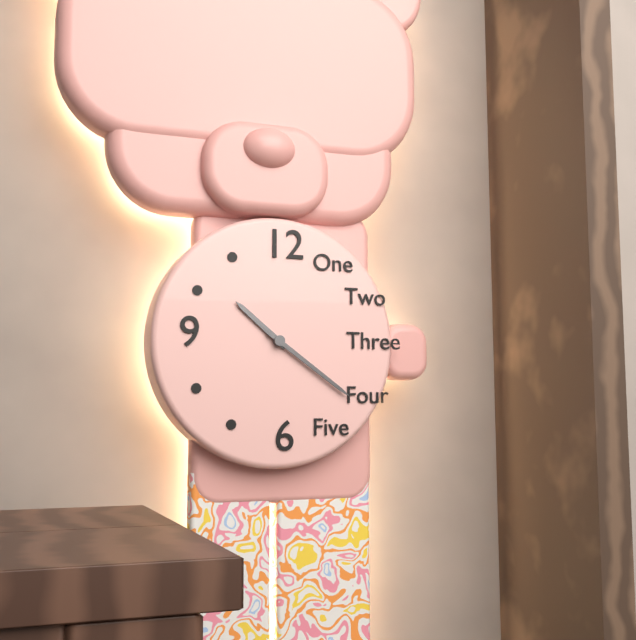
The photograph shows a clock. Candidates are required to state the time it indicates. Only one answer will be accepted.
10:21
